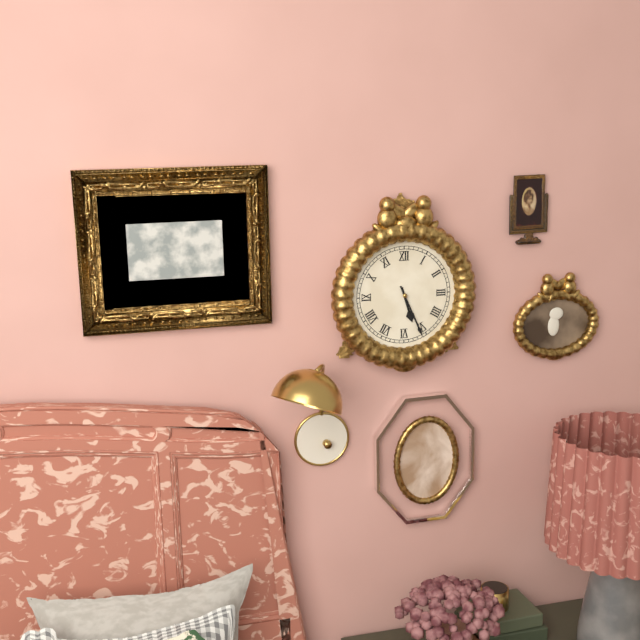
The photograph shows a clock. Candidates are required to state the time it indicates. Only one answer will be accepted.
5:26
